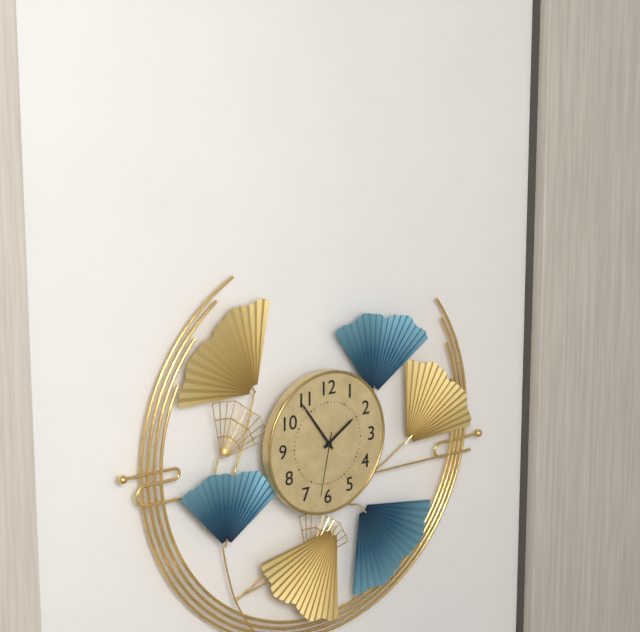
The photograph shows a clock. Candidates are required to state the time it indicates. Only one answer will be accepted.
1:54:32
